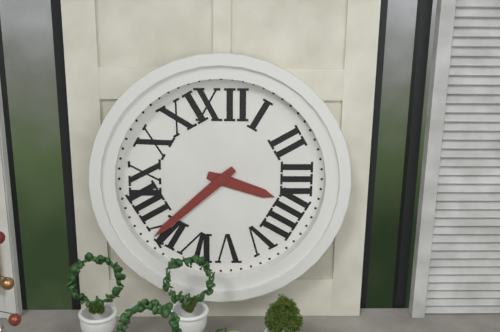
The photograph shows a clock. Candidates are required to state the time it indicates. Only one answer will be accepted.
3:38
